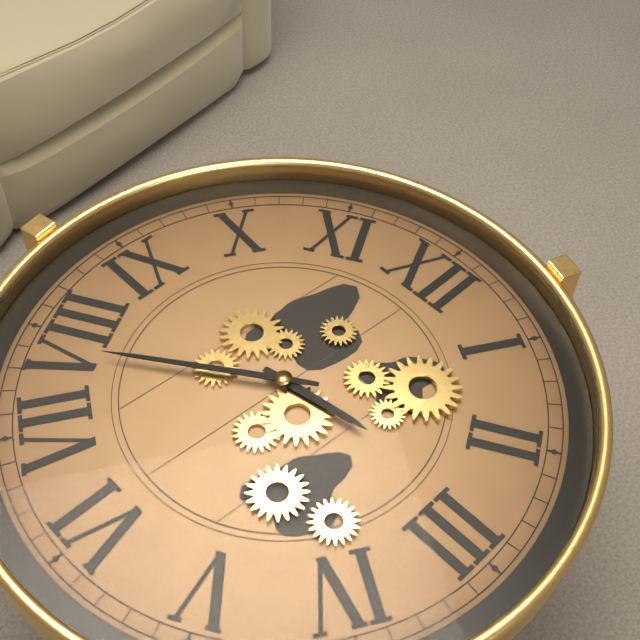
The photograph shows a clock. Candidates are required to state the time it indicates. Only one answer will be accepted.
2:39
